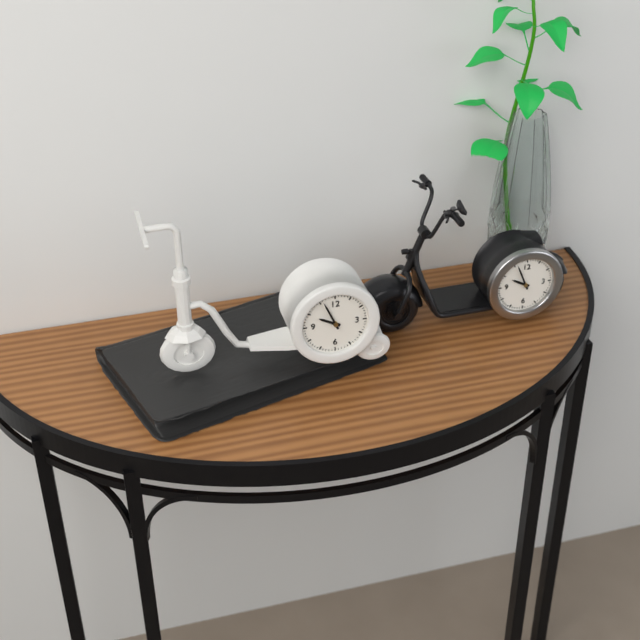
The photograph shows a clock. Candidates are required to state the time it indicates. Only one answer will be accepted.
9:56
